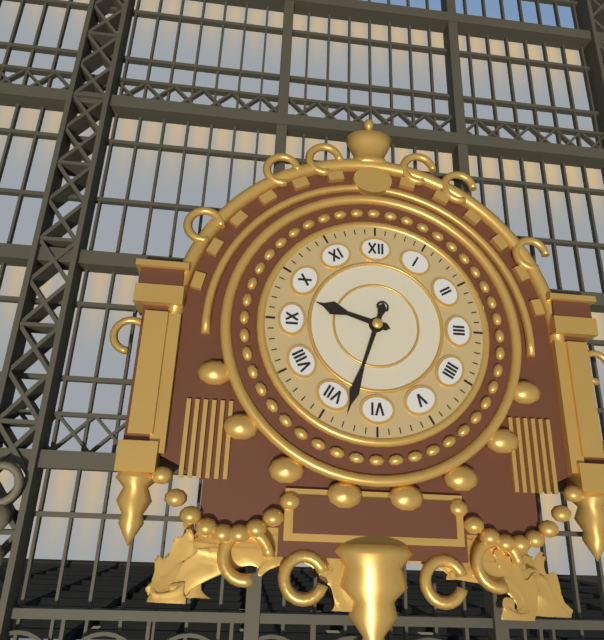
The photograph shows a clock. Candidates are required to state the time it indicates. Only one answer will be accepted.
9:33
